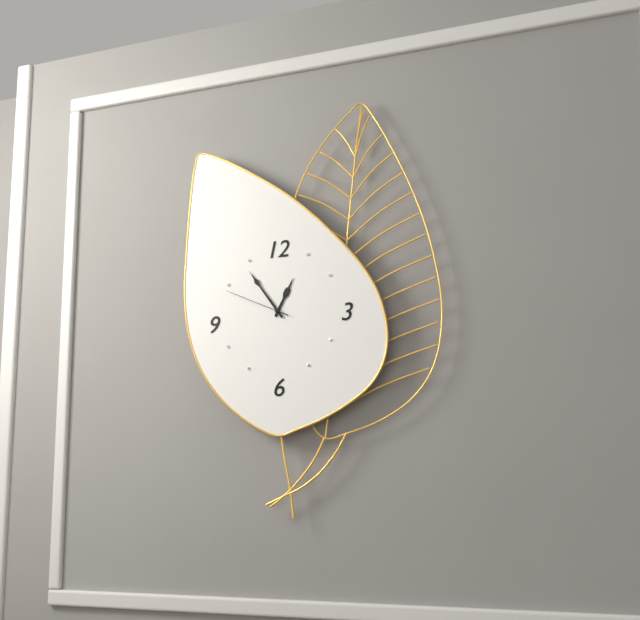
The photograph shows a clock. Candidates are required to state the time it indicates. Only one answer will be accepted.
12:54:49
